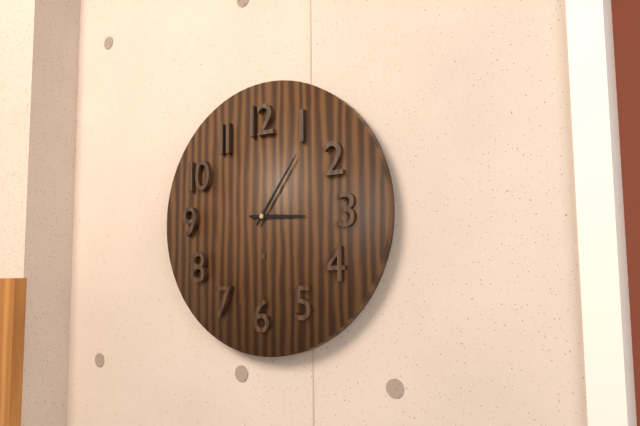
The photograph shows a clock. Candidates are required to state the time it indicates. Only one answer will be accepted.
3:06
